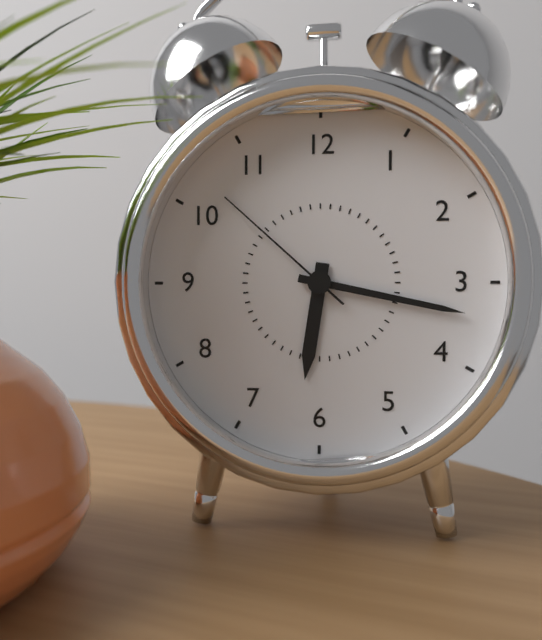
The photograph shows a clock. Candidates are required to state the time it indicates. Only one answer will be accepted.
6:17:52
